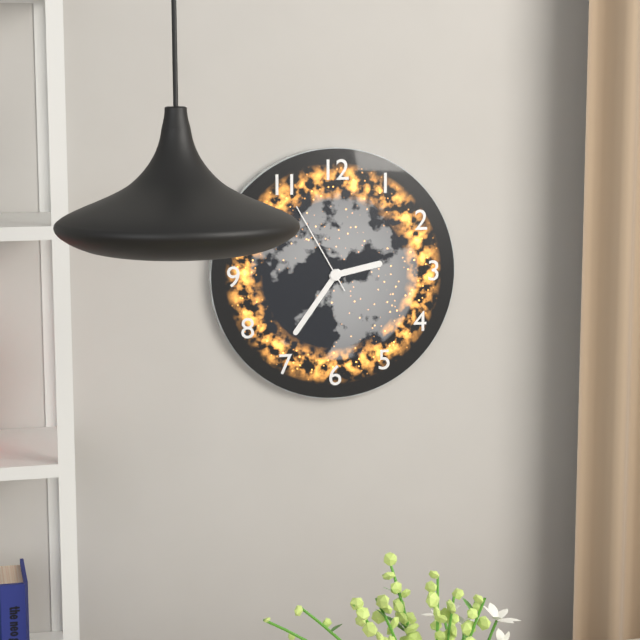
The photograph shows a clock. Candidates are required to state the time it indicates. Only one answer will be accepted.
2:36:55
